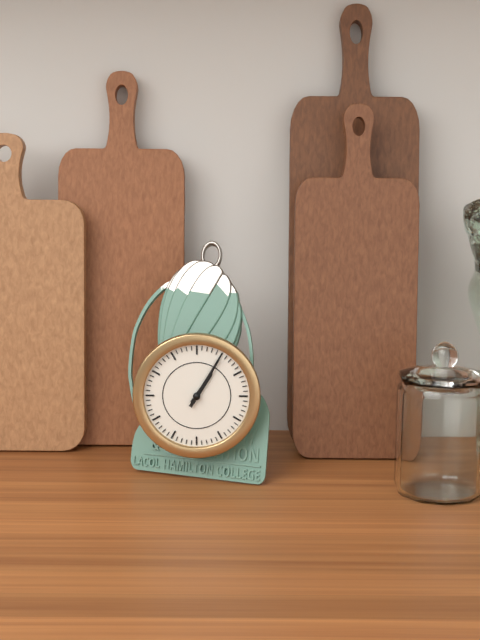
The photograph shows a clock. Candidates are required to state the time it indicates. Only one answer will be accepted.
1:05
